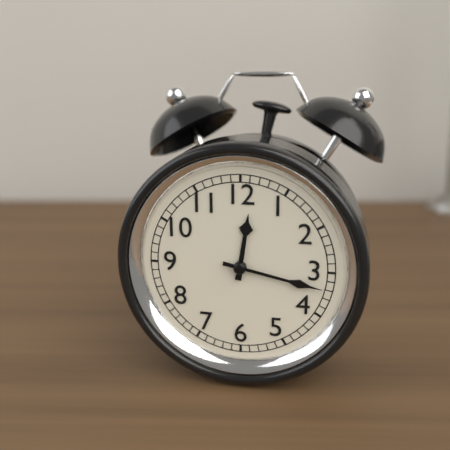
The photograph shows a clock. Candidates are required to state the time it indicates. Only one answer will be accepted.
12:17
